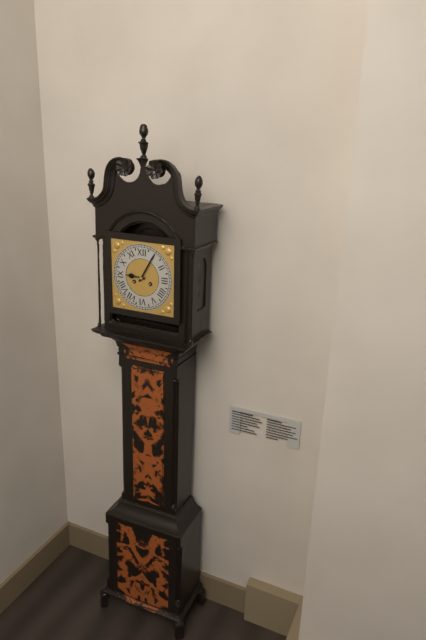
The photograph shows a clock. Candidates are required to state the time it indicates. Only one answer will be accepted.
9:05
